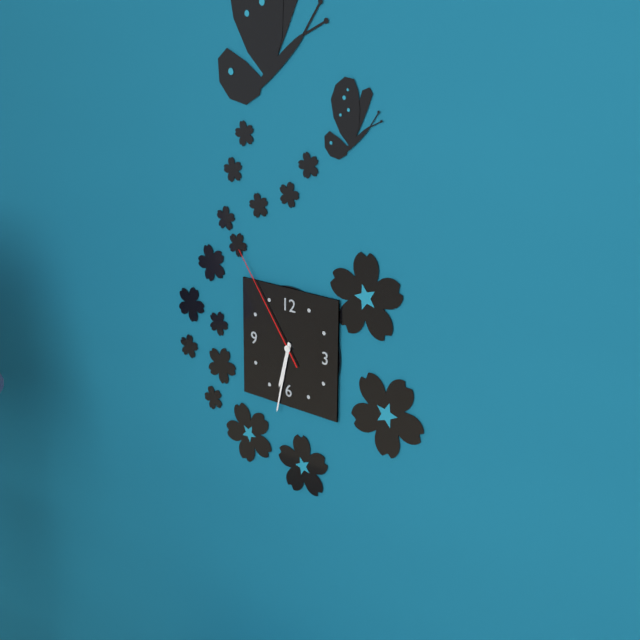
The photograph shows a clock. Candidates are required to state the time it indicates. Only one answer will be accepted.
6:32:54
